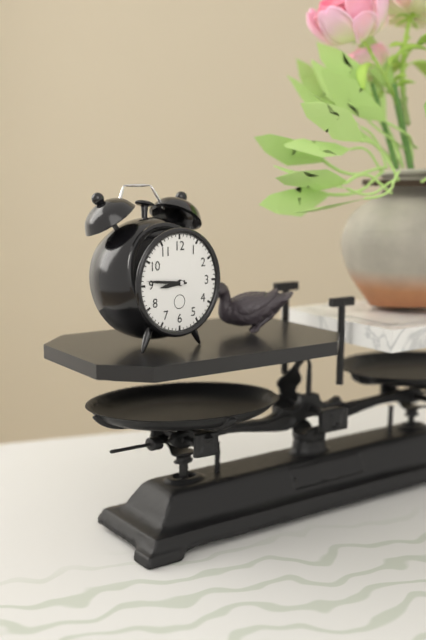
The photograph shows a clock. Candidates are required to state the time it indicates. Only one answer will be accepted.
8:46
